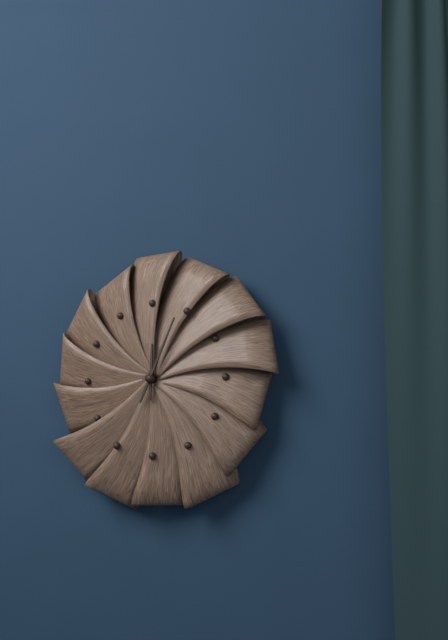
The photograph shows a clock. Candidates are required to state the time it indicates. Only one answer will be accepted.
12:04
